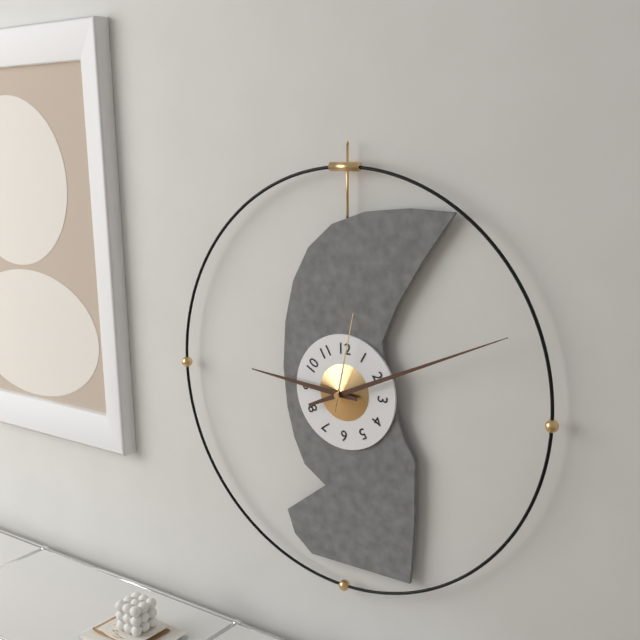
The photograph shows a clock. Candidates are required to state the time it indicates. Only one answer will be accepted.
9:11:02
